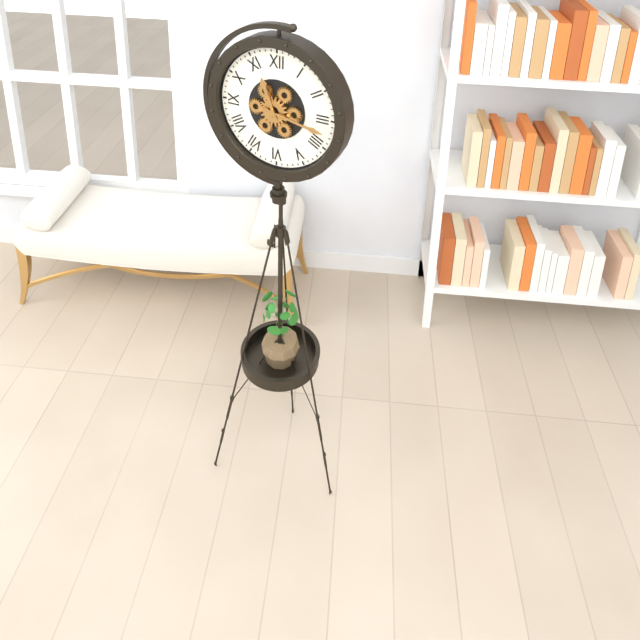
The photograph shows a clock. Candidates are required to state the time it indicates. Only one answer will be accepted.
11:17
